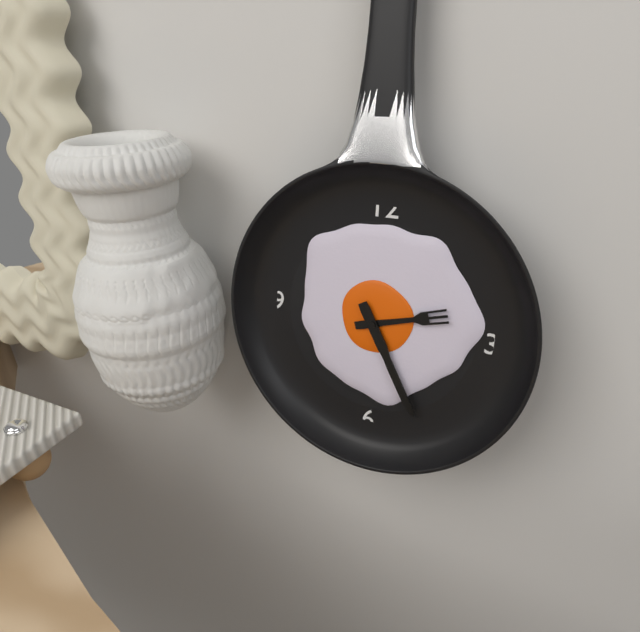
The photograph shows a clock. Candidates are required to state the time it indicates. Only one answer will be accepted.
2:25
